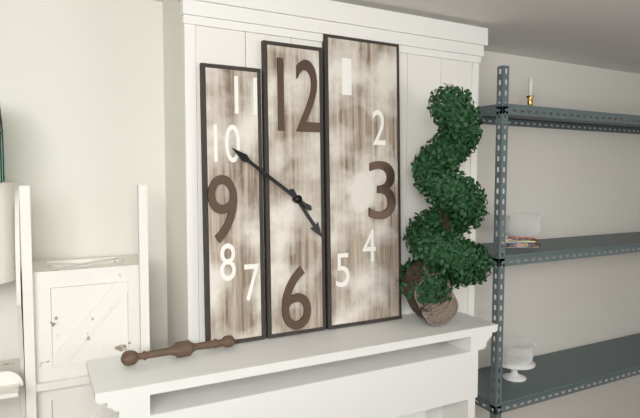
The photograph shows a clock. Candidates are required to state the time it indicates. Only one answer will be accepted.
4:51
